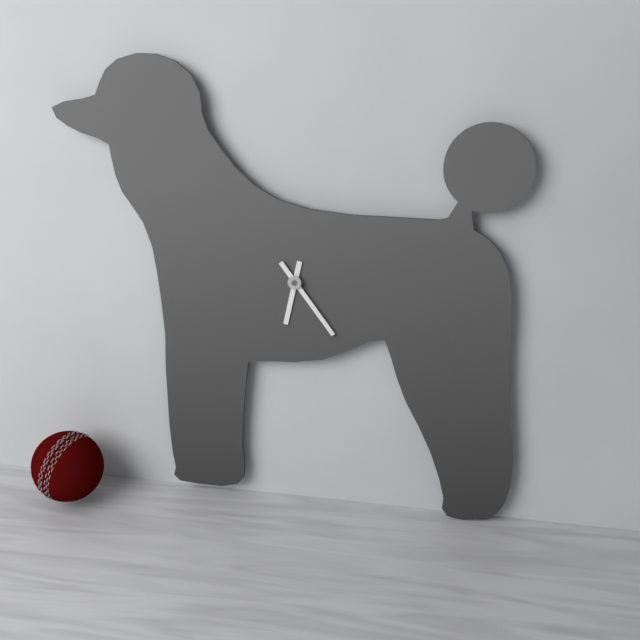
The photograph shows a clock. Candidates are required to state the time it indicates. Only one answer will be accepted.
6:24
